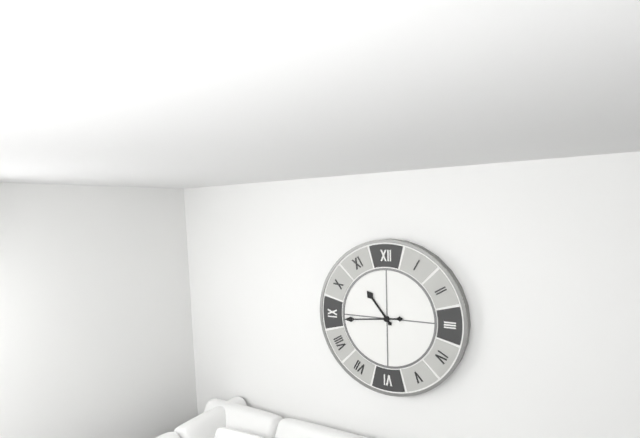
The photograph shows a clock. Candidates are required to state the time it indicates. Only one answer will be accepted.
10:44
